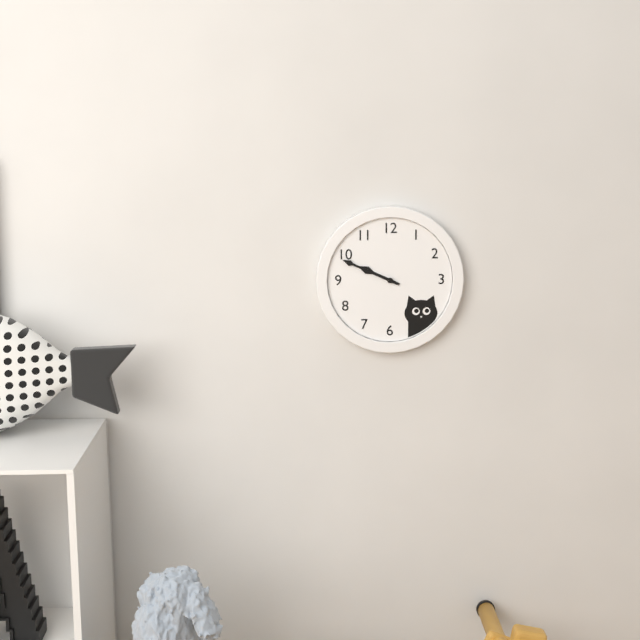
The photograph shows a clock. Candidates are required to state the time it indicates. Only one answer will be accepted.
9:49
